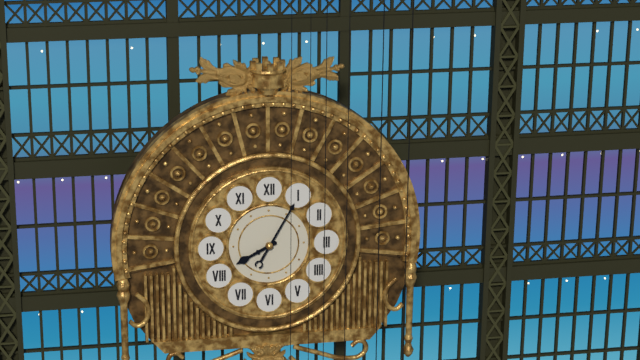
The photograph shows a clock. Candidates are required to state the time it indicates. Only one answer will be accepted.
8:05
